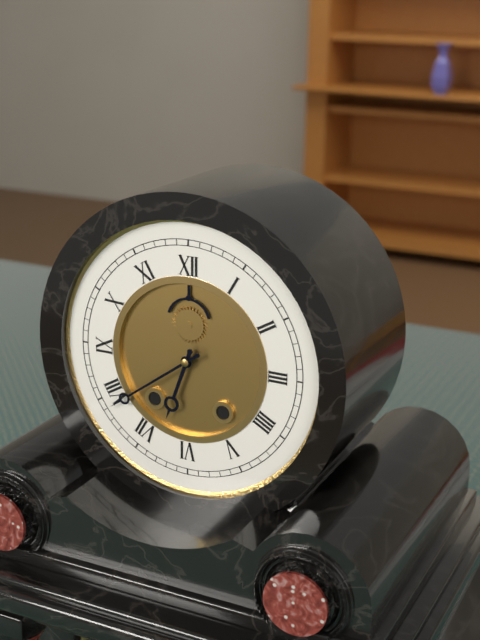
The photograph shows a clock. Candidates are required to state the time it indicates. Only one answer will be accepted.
6:39
